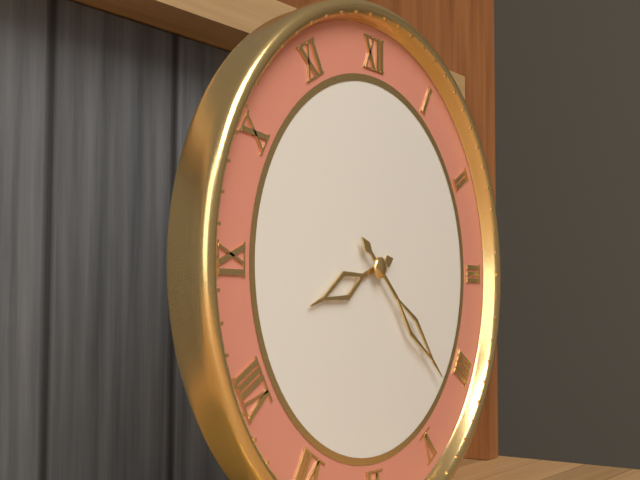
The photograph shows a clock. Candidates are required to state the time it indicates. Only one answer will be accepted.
8:22
